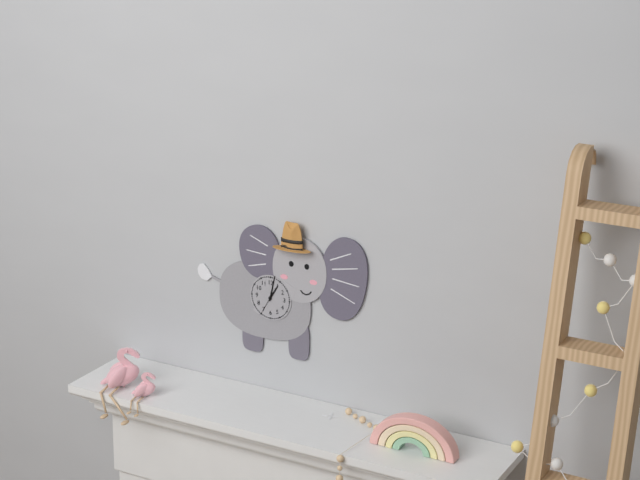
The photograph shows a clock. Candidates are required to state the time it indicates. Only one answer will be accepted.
1:02
